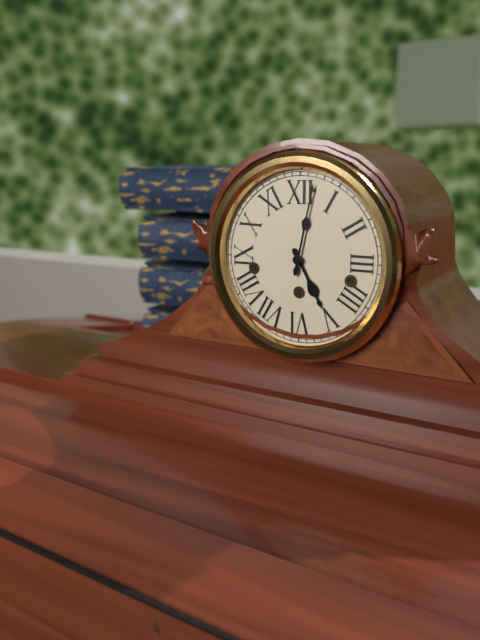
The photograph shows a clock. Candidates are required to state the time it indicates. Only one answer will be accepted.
5:02
